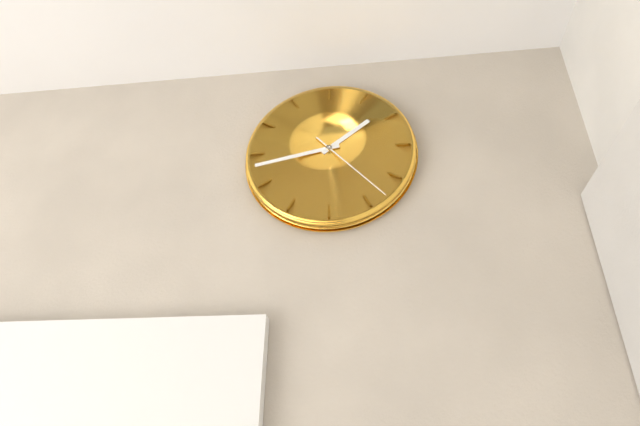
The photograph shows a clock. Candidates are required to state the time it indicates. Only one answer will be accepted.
1:43:23
